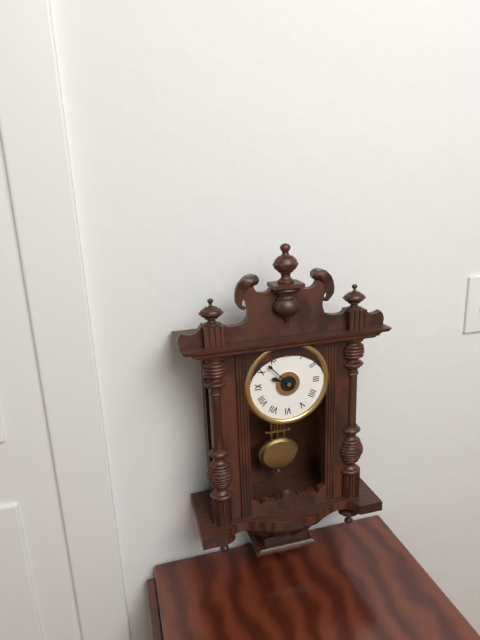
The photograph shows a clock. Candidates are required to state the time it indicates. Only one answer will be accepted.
9:53
